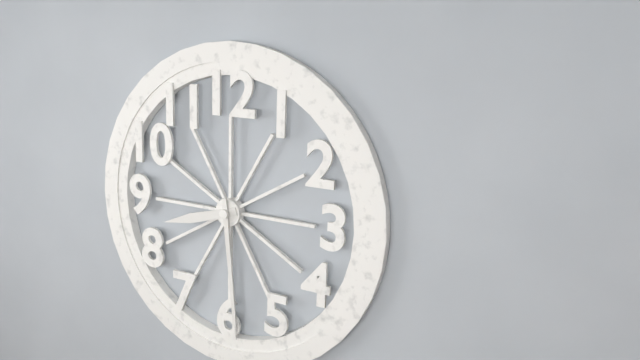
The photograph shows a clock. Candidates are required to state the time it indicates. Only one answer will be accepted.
8:29
